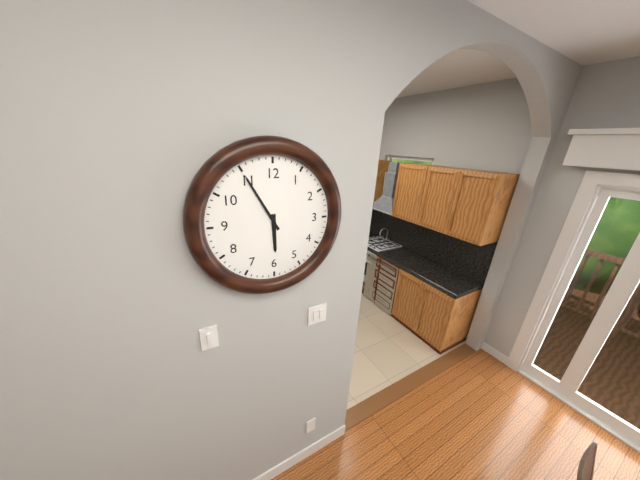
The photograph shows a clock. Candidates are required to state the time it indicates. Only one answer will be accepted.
5:55
